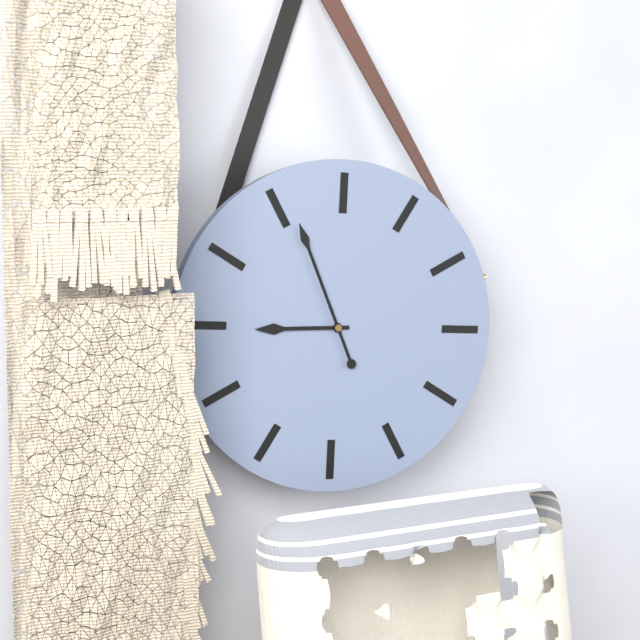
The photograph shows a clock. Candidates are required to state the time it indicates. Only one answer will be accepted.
8:56
